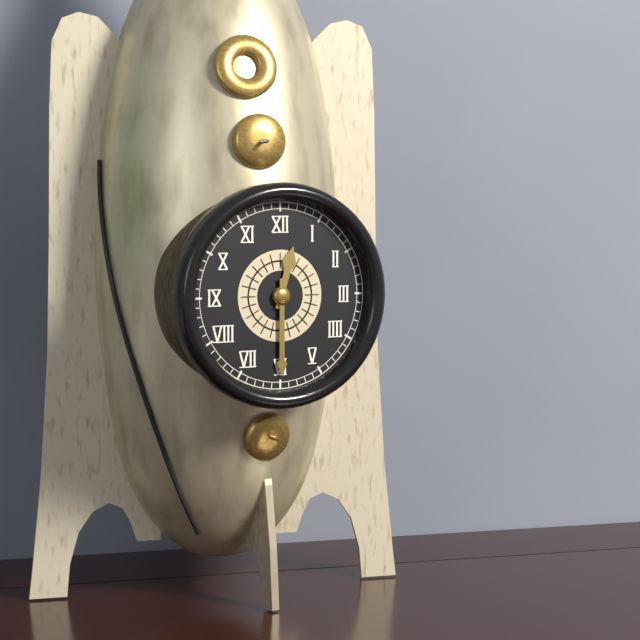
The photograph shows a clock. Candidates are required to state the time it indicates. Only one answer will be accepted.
12:30
